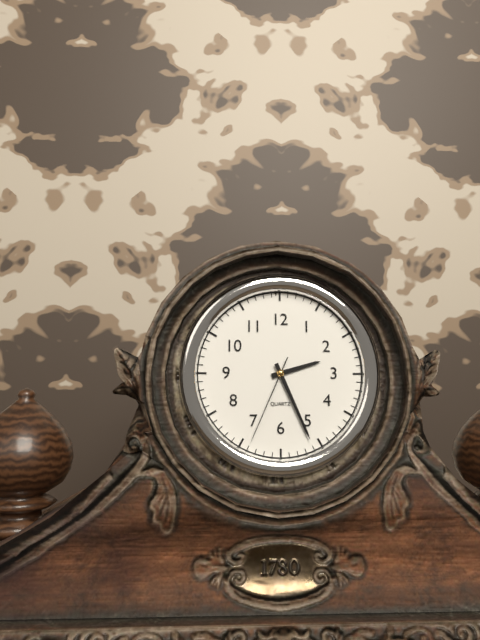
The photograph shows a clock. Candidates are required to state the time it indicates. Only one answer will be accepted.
2:26:34
